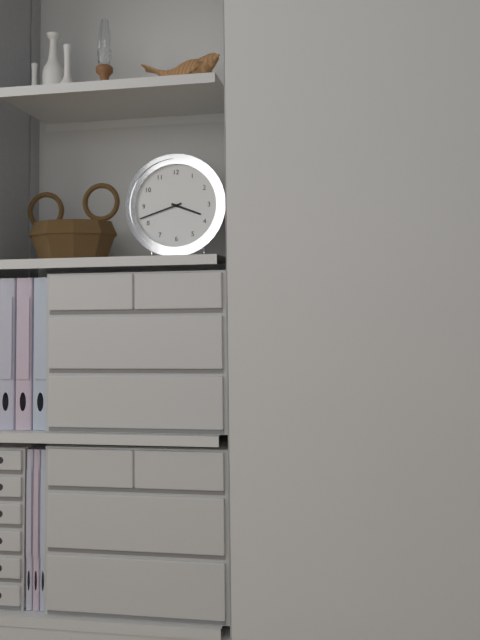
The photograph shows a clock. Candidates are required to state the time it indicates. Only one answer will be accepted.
3:42
